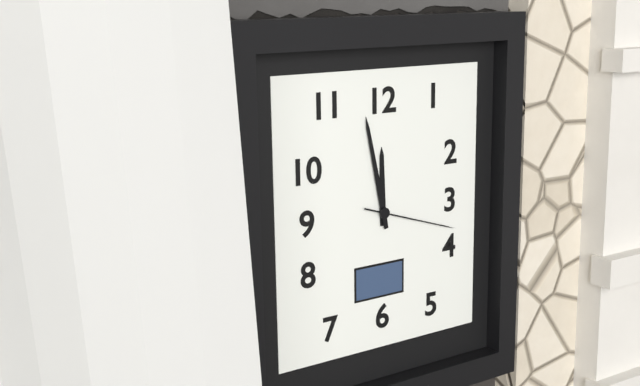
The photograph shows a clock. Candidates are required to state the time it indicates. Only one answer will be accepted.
11:58:18
